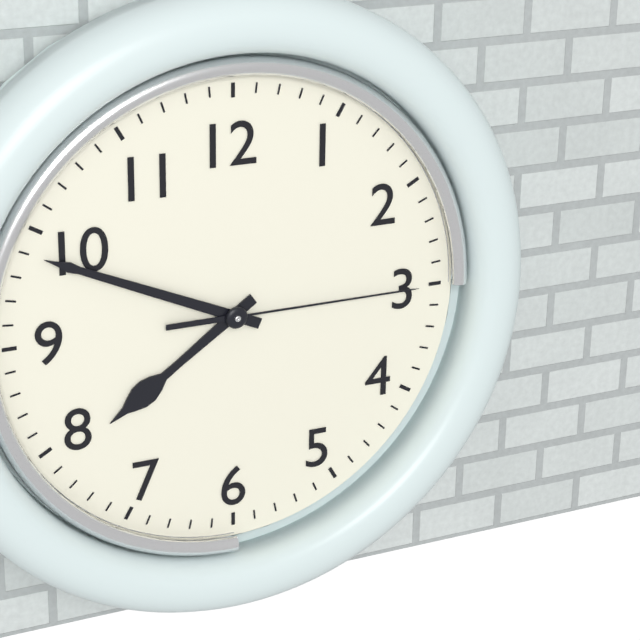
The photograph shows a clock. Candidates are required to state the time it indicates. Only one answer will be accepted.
7:49:15
